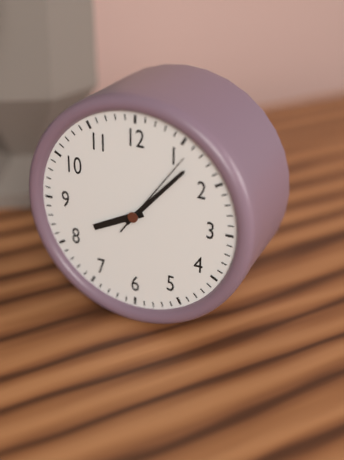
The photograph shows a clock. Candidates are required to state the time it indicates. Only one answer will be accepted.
8:07:06
